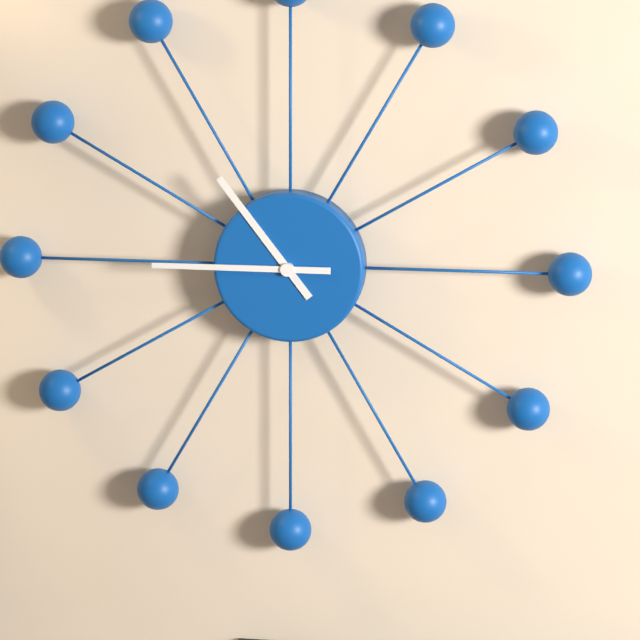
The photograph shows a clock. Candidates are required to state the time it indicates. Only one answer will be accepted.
10:45
